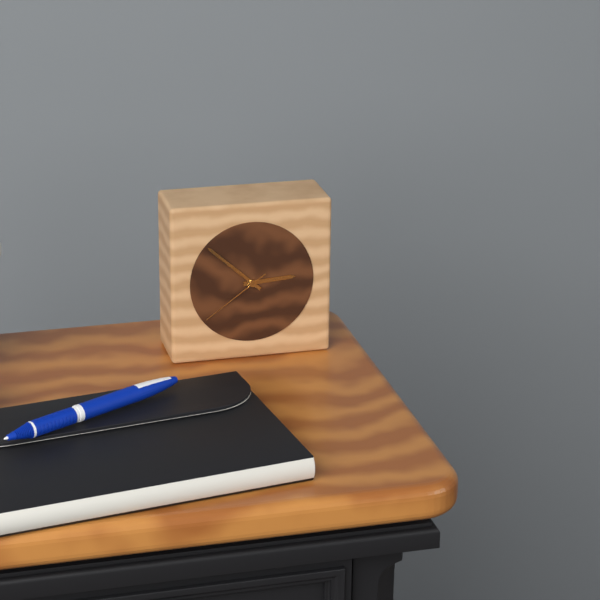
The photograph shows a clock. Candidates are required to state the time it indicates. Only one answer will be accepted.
2:52:39
